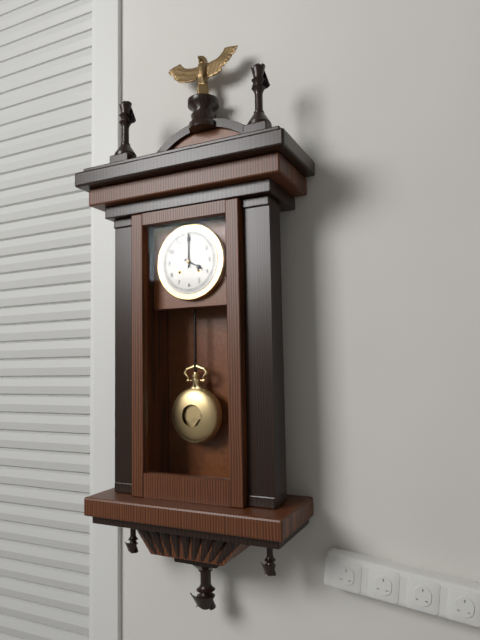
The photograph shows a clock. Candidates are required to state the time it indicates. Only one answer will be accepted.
4:00
